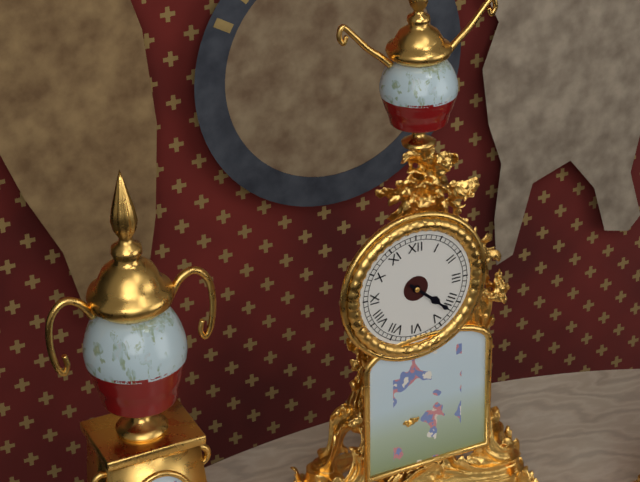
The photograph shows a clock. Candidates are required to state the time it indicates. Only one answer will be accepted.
4:22
